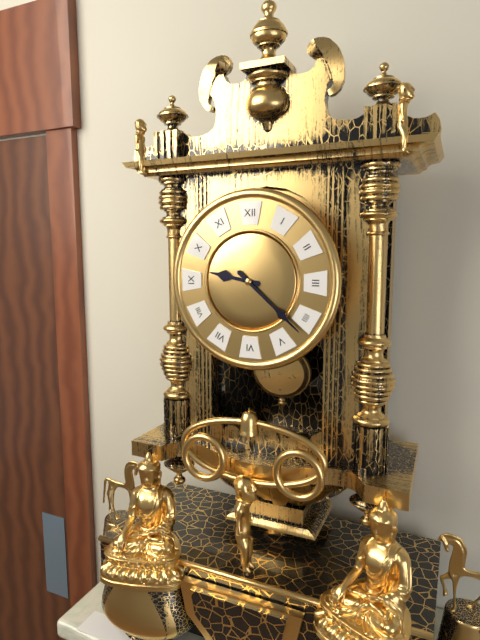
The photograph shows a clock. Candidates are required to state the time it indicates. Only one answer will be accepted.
9:22
